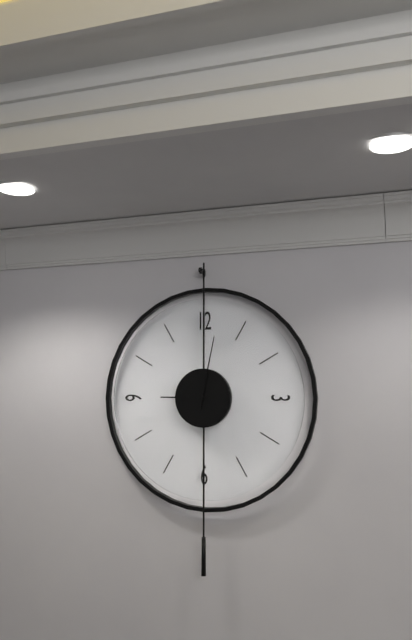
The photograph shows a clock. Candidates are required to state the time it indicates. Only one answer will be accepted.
9:02
